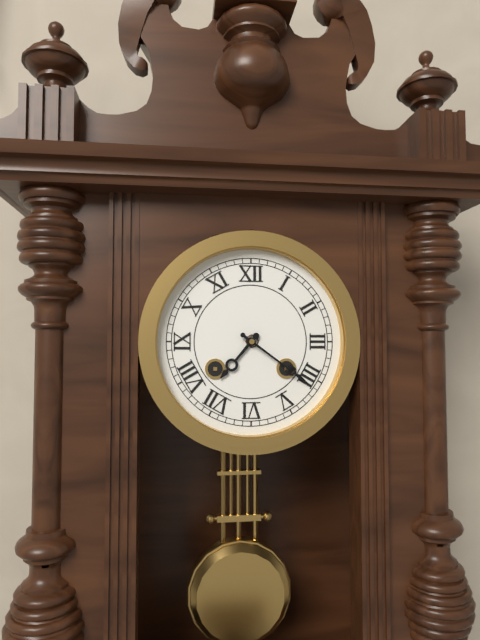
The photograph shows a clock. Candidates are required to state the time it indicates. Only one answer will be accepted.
7:21
